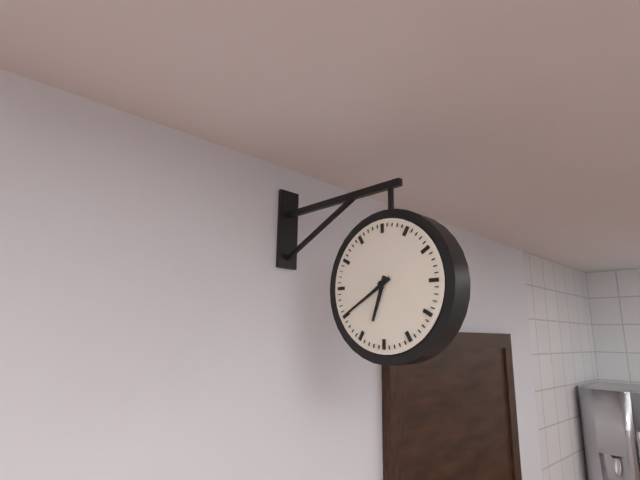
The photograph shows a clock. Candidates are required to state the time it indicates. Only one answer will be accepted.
6:40
